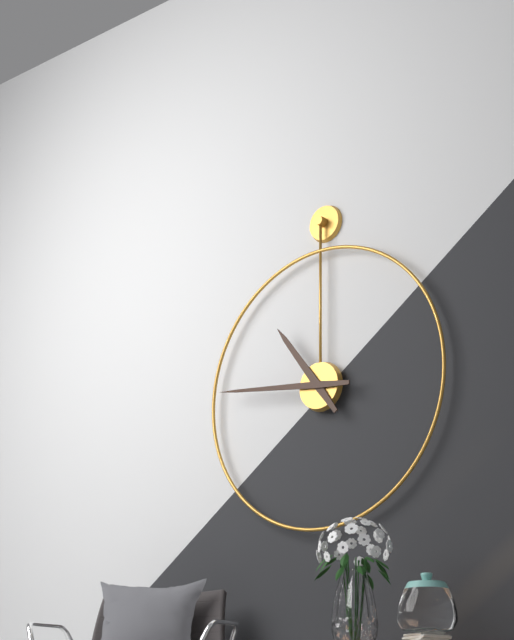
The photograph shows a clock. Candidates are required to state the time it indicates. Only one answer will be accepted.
10:46
